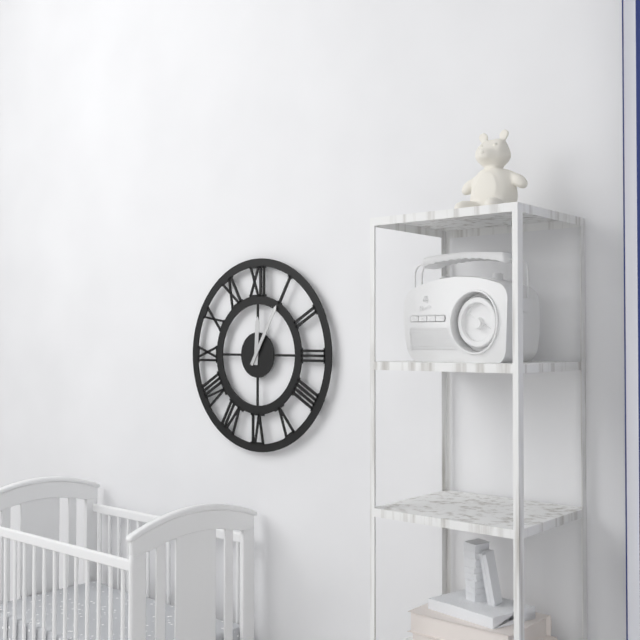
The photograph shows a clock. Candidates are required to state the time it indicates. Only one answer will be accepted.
12:05
